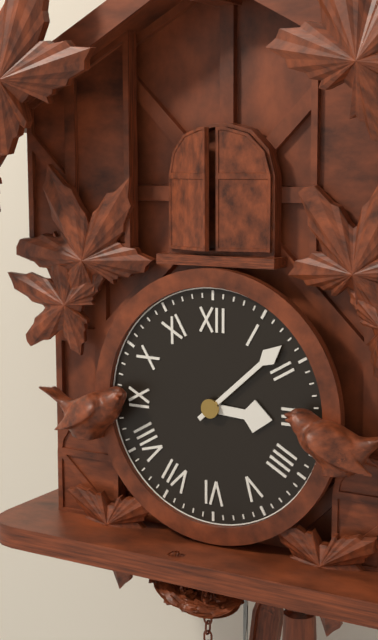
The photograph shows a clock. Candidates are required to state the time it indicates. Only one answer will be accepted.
3:08
